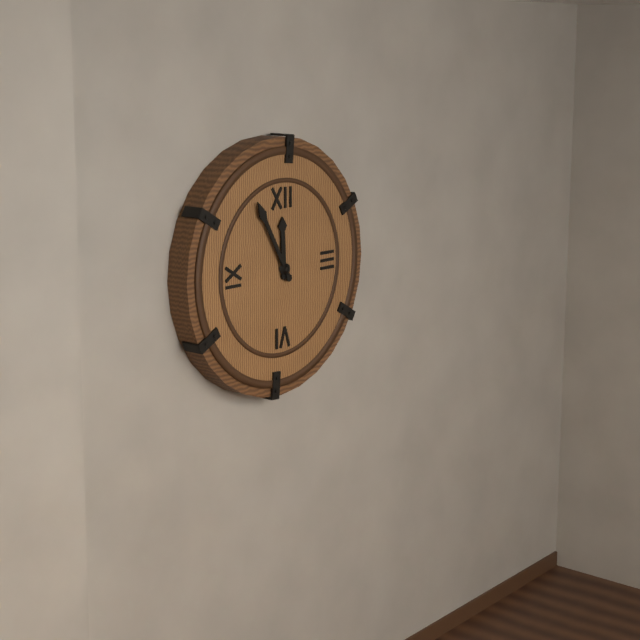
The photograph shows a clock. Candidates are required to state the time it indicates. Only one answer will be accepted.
11:55
